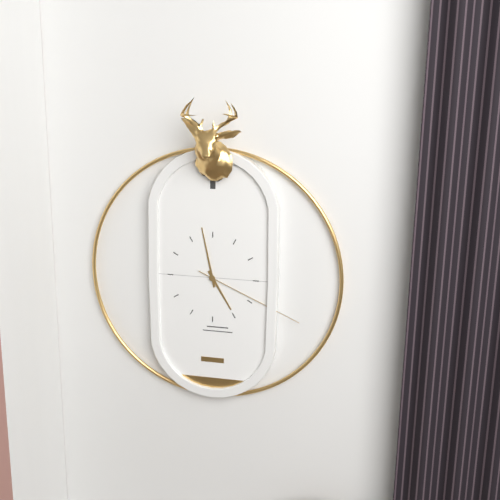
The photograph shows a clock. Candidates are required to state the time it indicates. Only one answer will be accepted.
4:58:19
